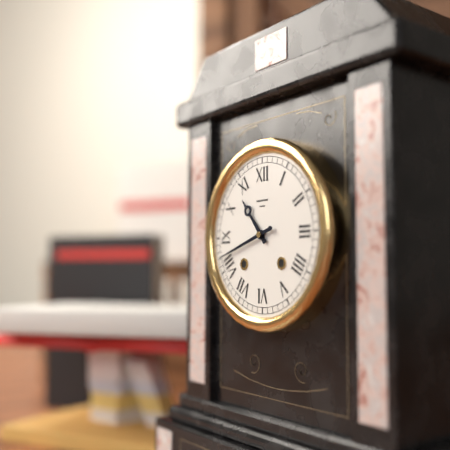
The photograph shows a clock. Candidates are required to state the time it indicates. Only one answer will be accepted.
10:42
